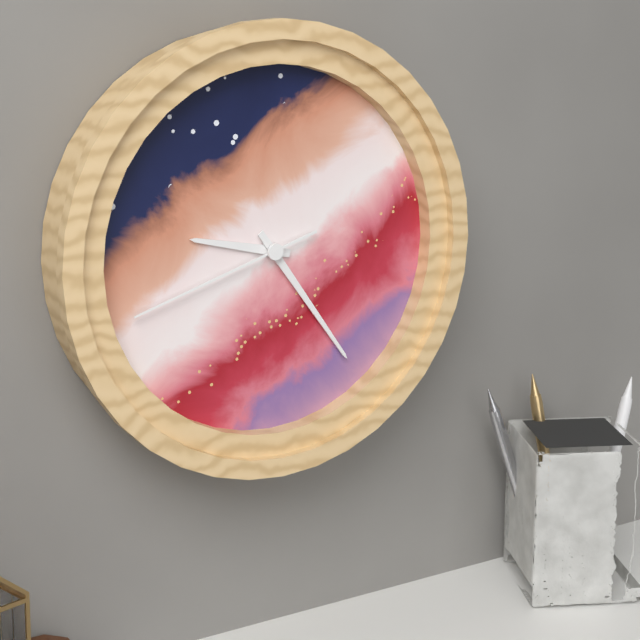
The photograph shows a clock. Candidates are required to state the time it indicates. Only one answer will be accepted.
9:24:42
